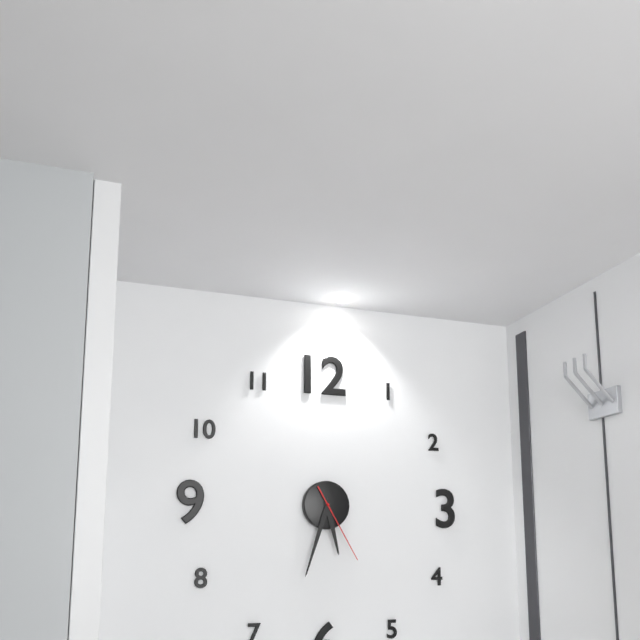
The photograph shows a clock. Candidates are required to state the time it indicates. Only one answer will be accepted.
5:33:25
